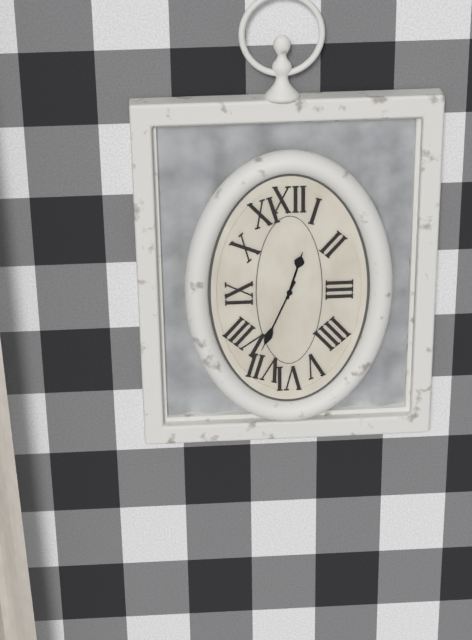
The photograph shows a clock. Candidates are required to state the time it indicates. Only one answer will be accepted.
12:34
